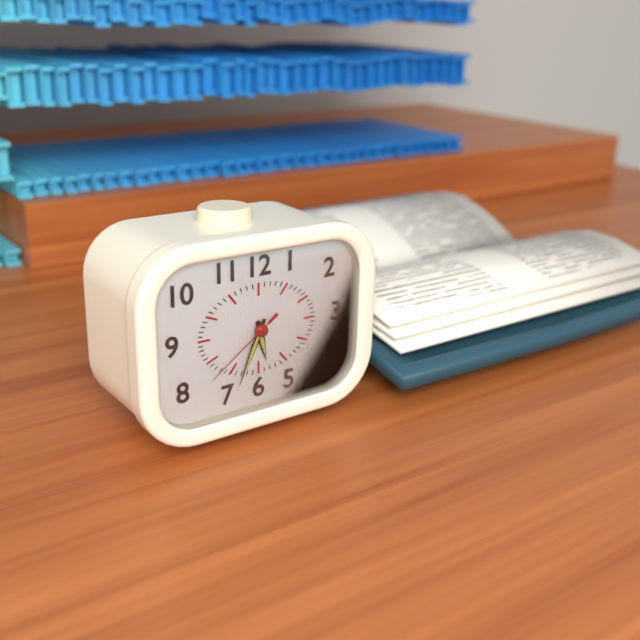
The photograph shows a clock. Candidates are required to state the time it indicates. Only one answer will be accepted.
5:34:39
